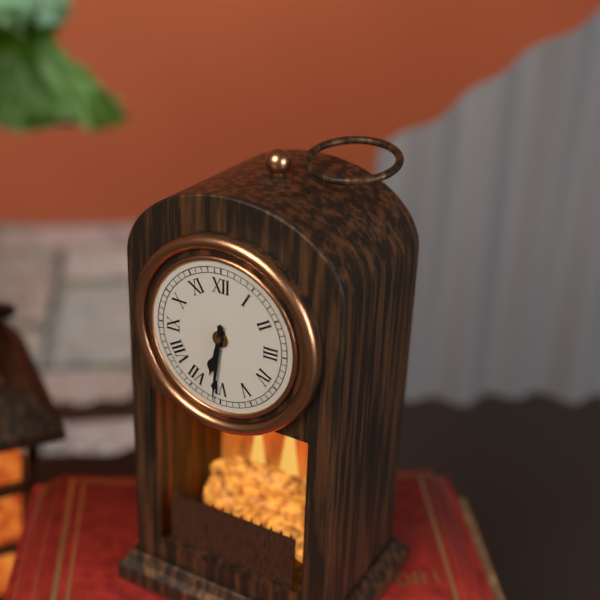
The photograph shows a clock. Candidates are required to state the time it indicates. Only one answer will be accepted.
6:31
